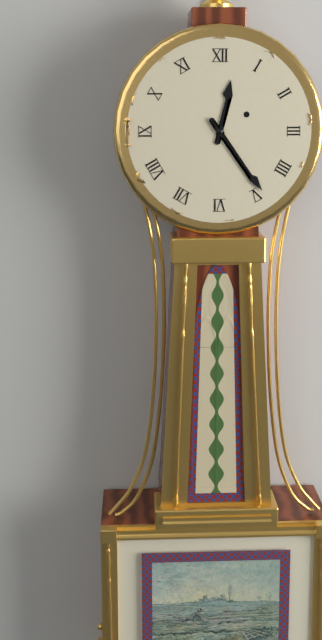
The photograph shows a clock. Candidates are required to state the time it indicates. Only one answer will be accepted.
12:24
